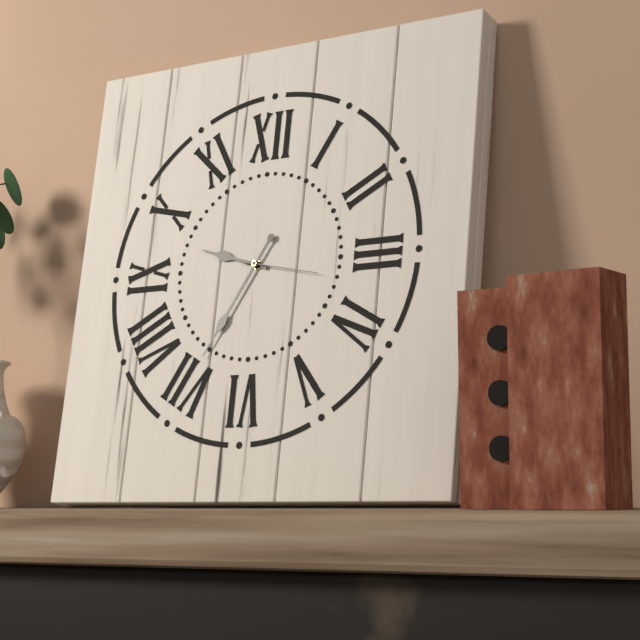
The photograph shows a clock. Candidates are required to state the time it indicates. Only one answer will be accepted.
9:35:17
